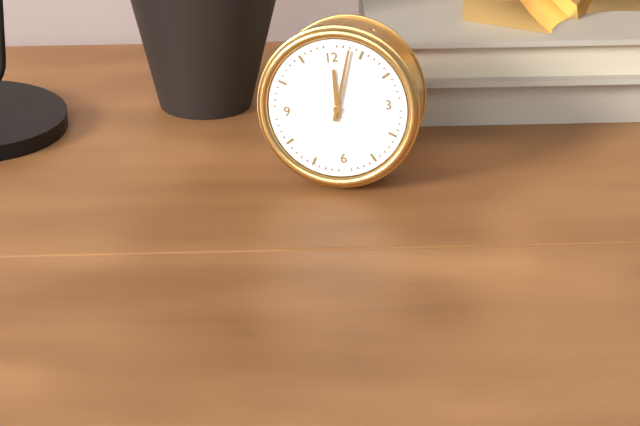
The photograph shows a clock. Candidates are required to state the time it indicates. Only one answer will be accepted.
12:03
